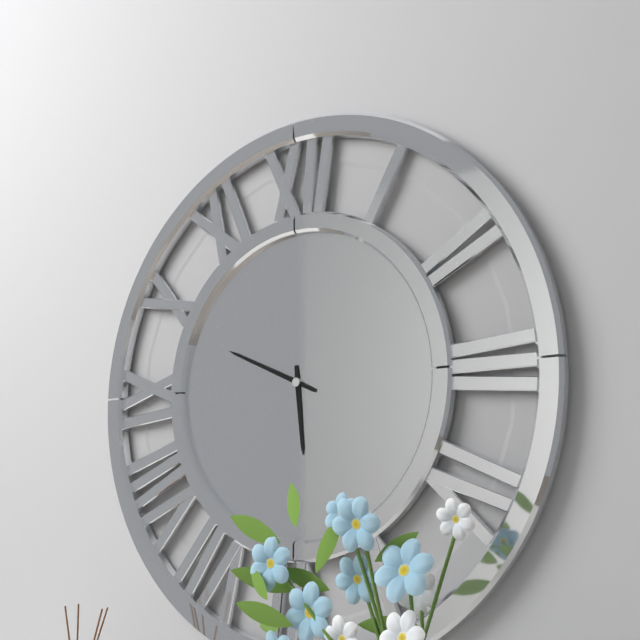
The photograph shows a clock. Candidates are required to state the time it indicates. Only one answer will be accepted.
5:49
